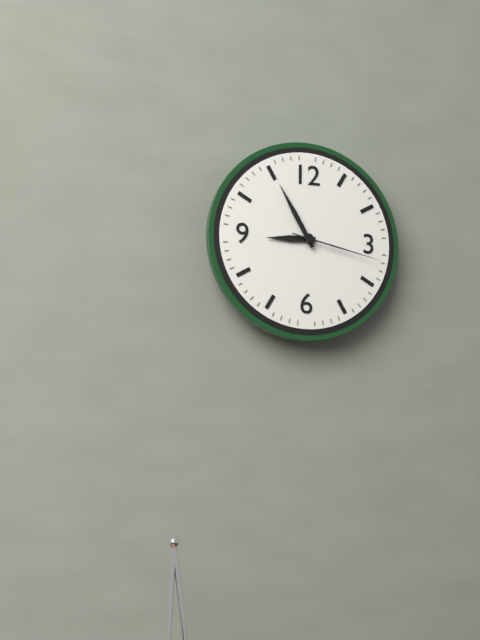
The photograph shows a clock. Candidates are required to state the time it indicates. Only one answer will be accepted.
8:55:17
